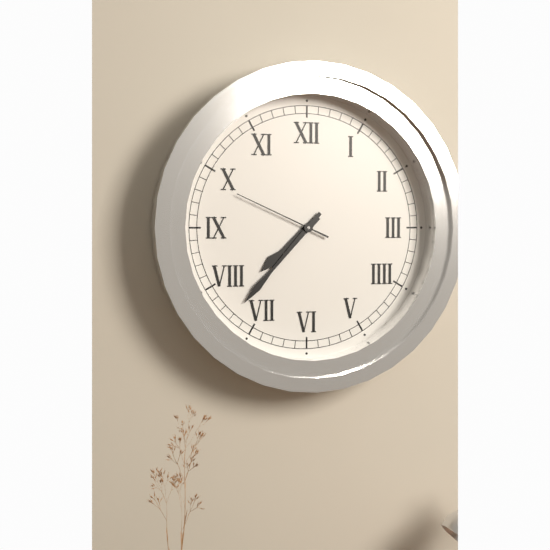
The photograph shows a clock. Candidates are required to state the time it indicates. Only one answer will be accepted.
7:37:49
